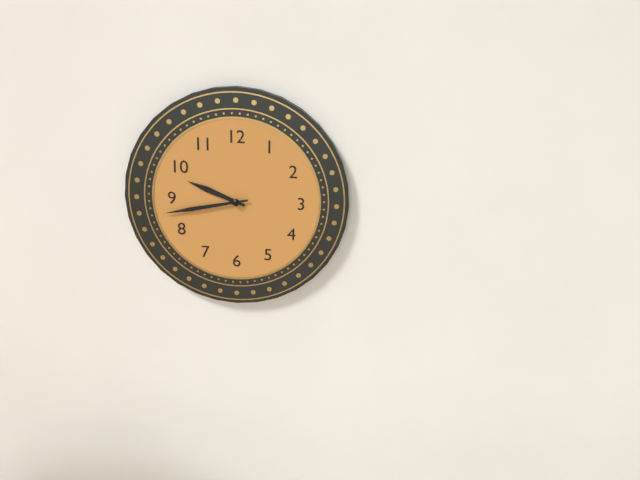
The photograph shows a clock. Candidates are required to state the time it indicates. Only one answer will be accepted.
9:43
